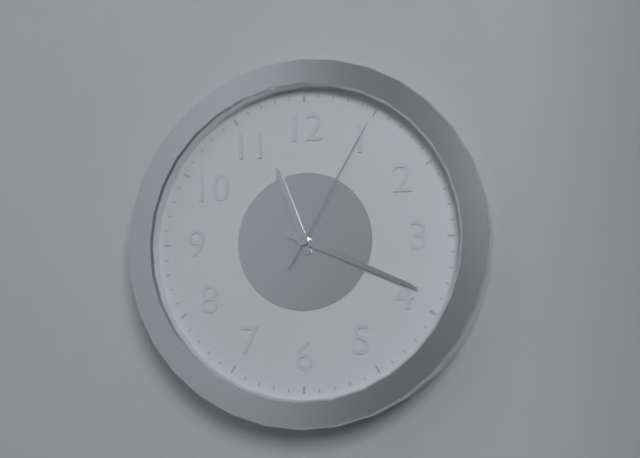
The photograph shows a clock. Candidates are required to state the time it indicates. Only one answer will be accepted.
11:19:05
